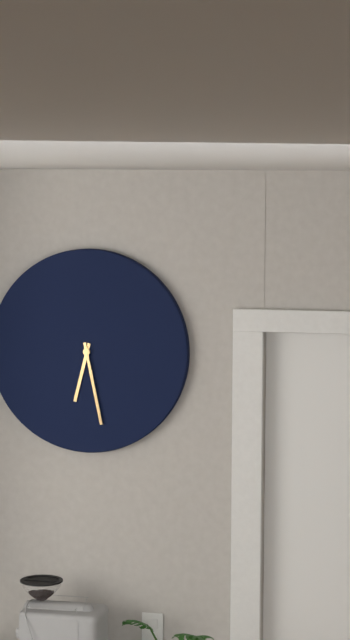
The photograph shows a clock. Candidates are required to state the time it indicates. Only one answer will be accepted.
6:28
